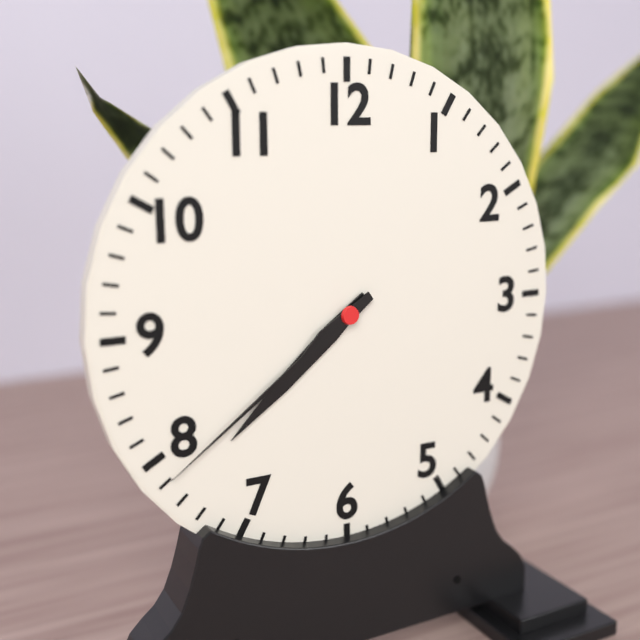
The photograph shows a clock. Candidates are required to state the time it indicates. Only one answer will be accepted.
7:39
